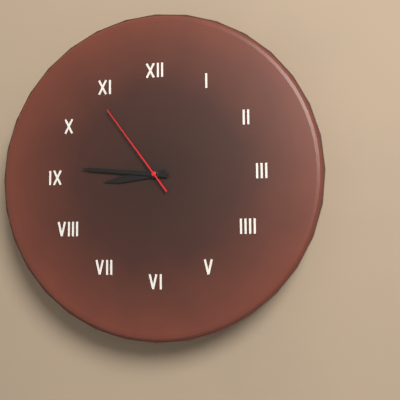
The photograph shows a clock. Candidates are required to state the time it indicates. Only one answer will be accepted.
8:46:54
